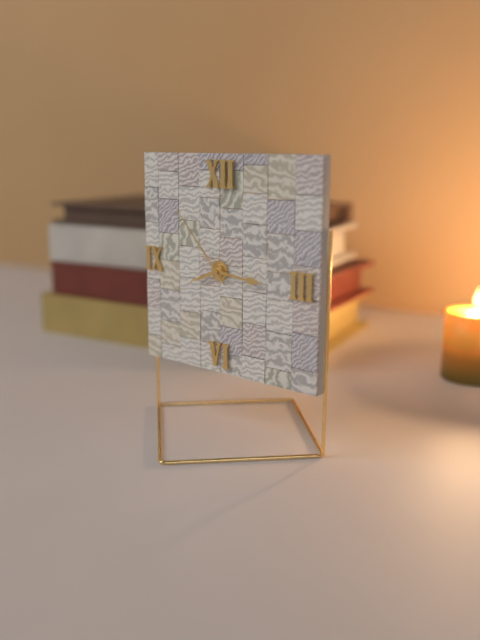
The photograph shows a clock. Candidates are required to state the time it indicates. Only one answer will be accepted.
8:16:53
